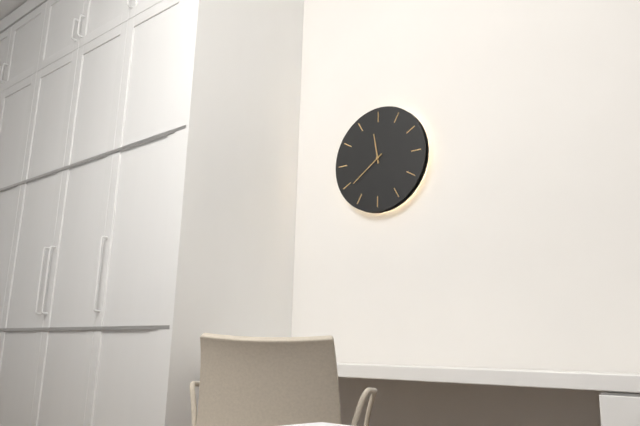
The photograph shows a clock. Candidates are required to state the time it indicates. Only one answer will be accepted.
11:39
